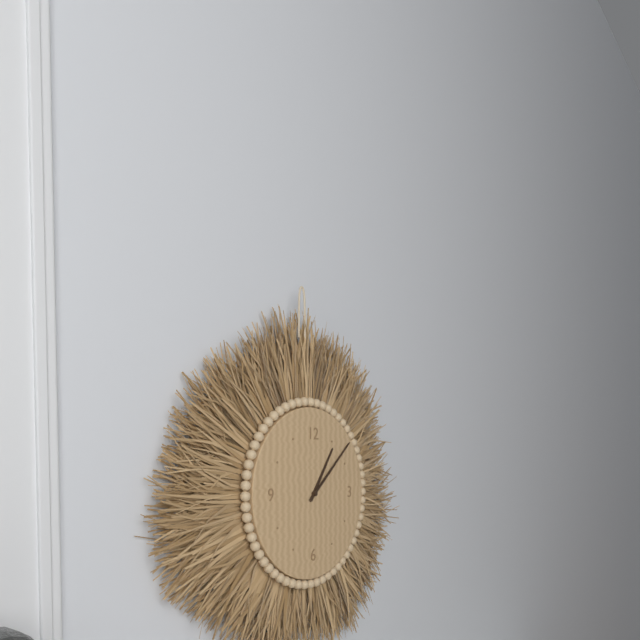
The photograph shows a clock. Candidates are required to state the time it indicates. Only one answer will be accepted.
1:08
